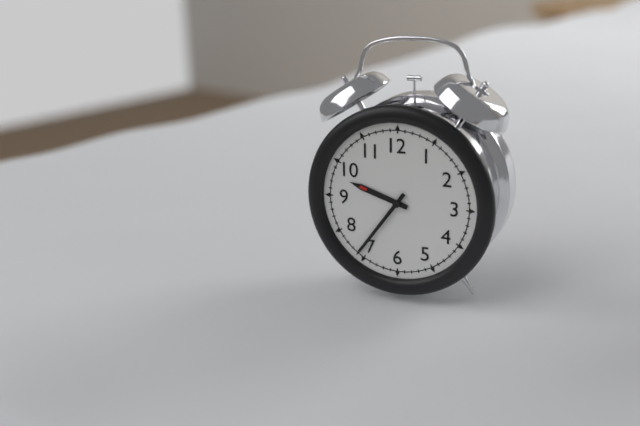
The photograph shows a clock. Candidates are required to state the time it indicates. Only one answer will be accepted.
9:36
